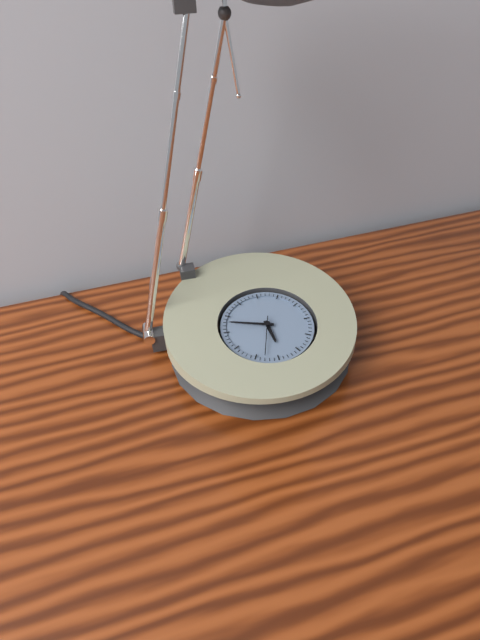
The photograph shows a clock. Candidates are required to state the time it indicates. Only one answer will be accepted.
5:48
